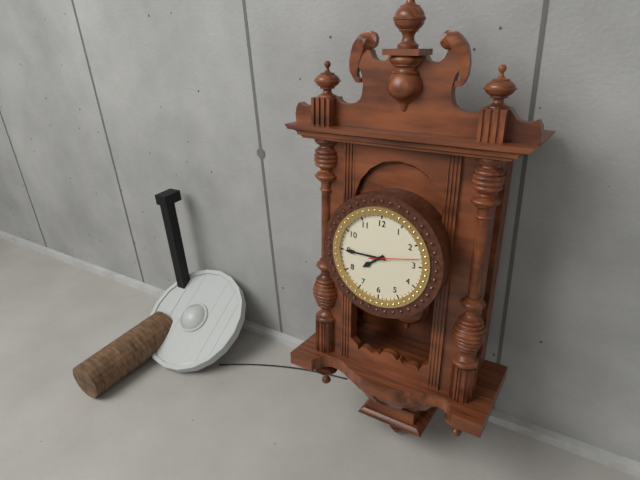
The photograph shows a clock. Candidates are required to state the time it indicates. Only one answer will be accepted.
7:45
